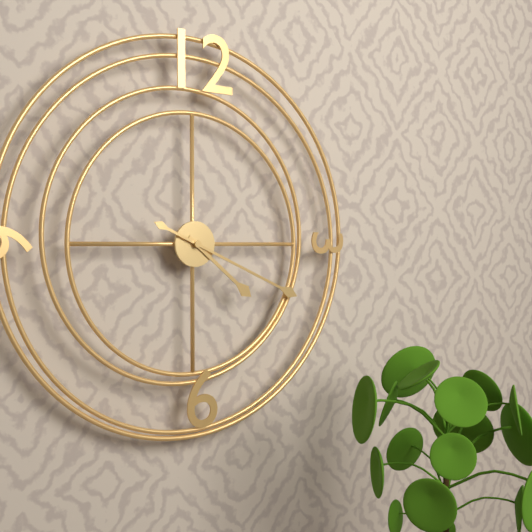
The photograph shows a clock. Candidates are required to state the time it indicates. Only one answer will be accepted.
4:19
